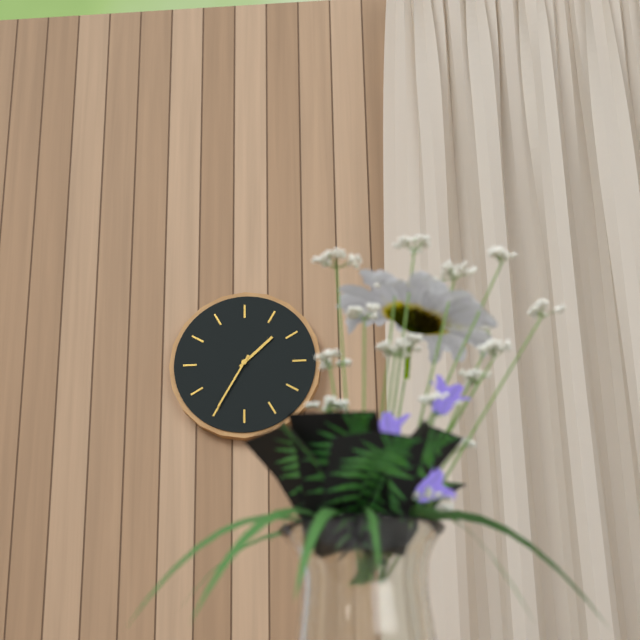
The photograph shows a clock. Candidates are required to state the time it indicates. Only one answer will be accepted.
1:35
